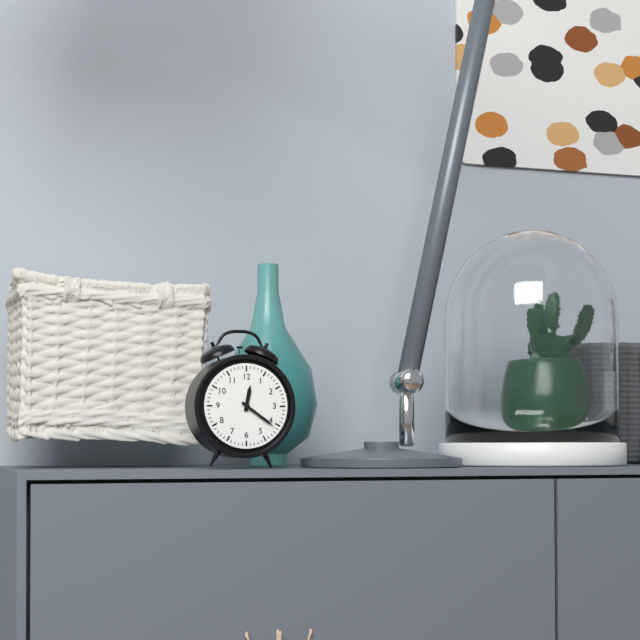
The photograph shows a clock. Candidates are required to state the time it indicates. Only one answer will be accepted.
12:21
